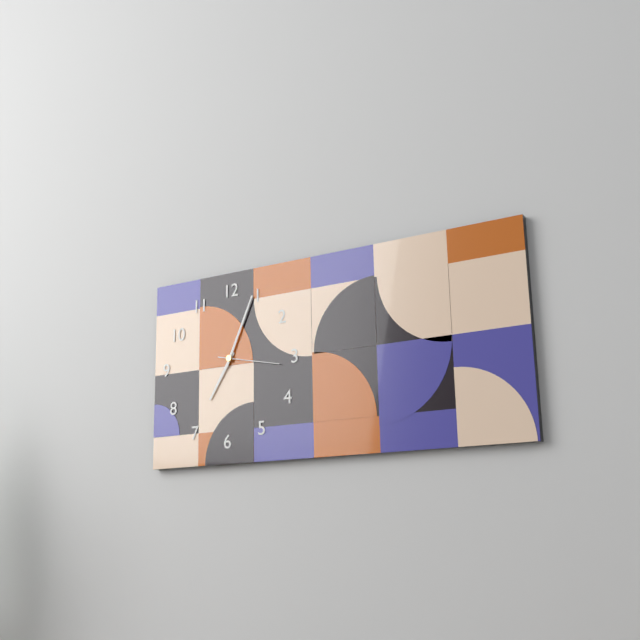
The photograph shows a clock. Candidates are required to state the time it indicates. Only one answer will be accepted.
7:04:17
